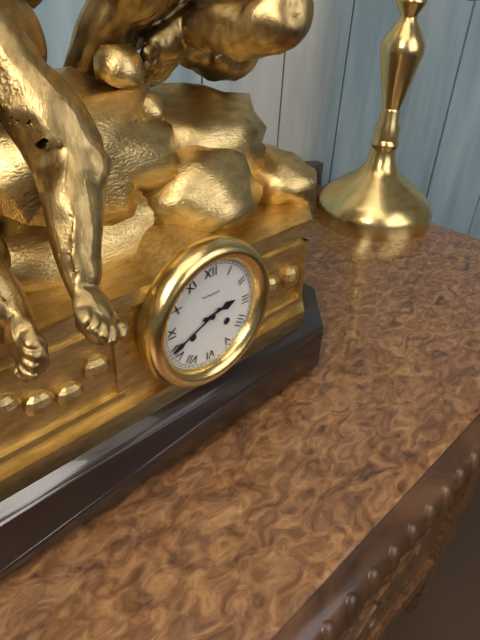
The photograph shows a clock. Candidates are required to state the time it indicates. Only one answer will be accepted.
2:41
